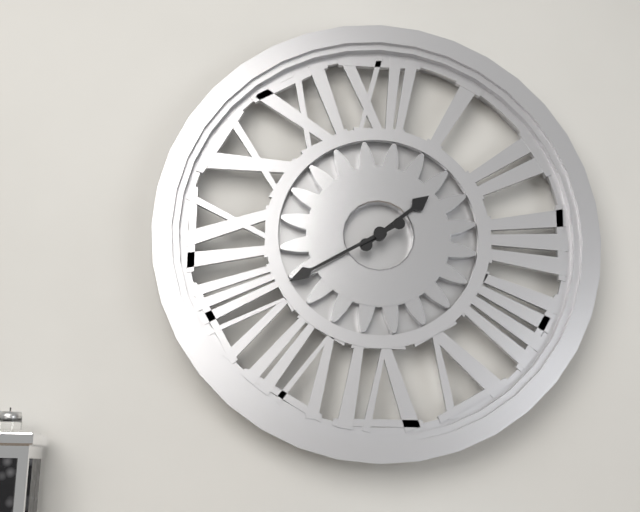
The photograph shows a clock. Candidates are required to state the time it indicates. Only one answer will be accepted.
1:40
